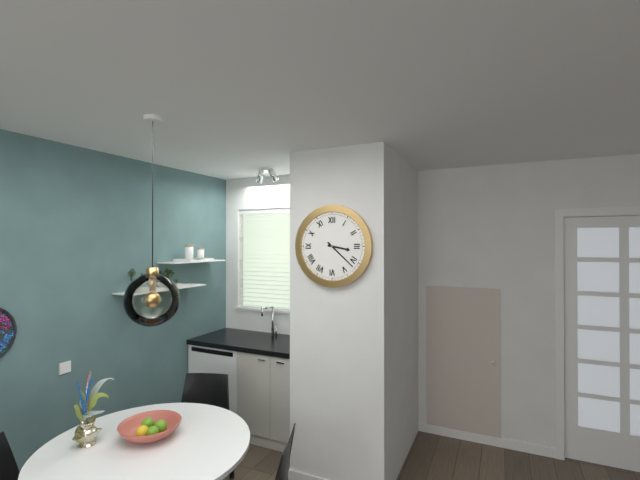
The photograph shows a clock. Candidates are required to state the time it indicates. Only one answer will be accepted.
3:22
